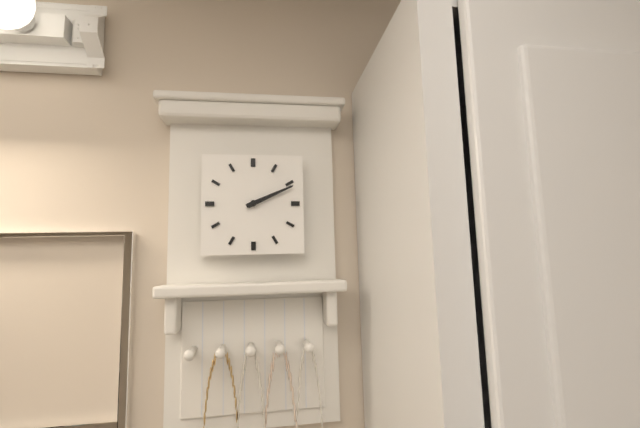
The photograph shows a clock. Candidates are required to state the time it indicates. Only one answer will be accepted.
2:11
